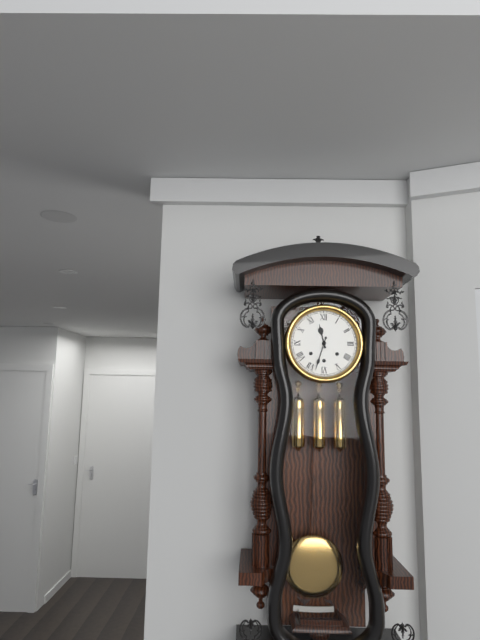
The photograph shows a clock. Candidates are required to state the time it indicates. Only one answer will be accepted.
11:33
